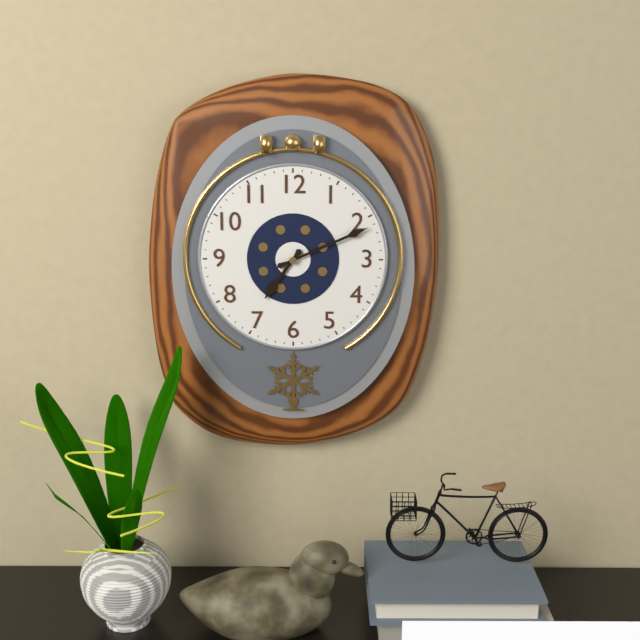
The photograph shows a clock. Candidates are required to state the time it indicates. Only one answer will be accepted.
7:11
